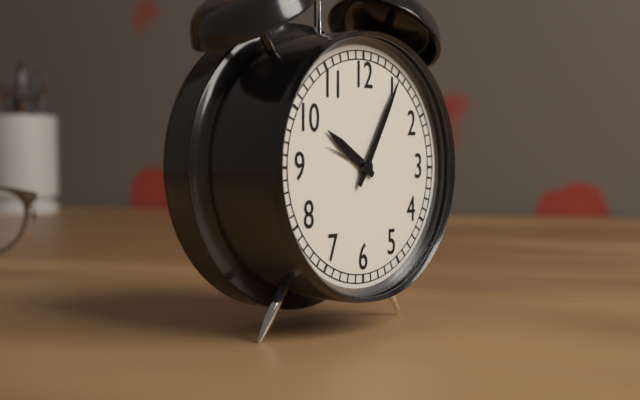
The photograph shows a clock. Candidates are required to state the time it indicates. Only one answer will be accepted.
10:05
